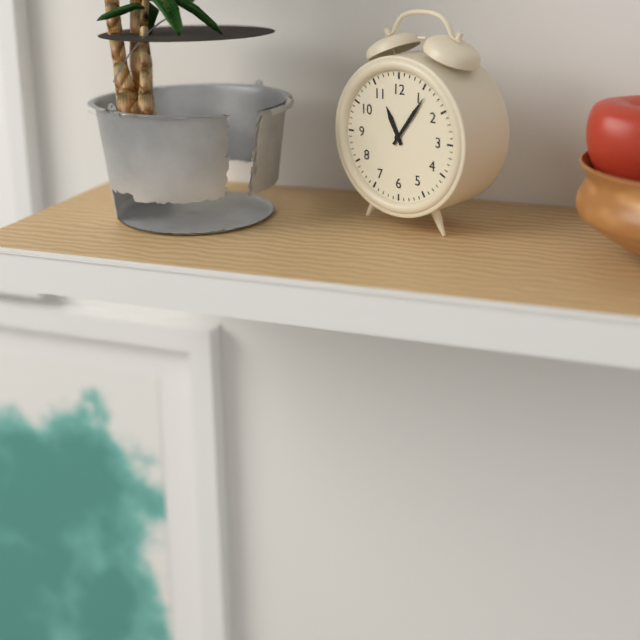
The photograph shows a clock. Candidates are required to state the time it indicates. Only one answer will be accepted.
11:06
